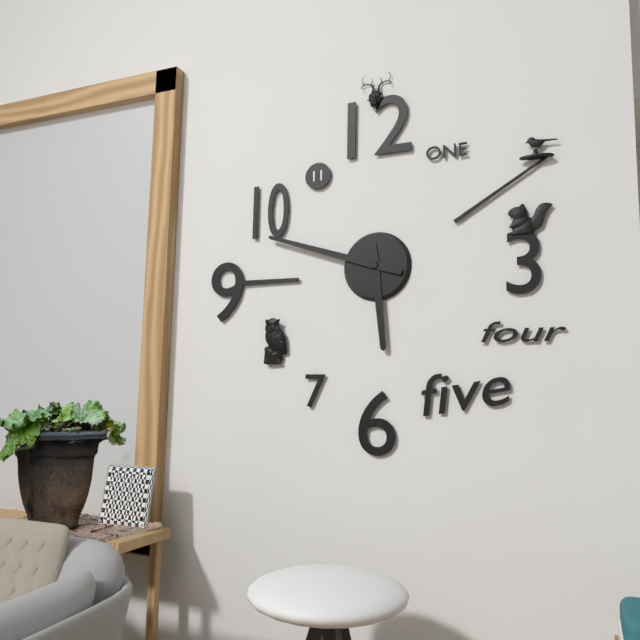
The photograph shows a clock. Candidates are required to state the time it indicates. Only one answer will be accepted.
5:48
